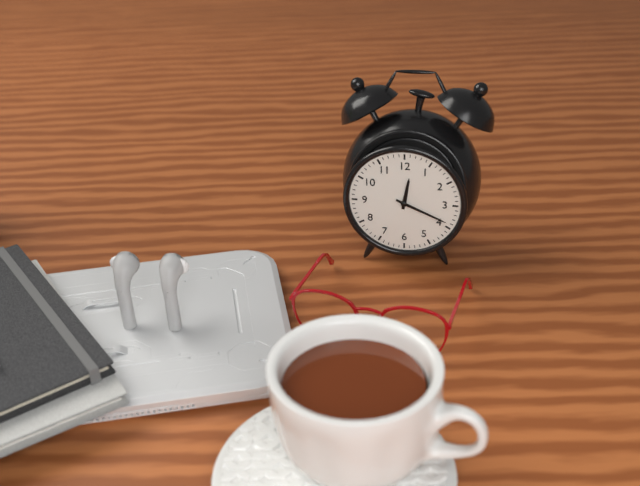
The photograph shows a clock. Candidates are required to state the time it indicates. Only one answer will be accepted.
12:19
